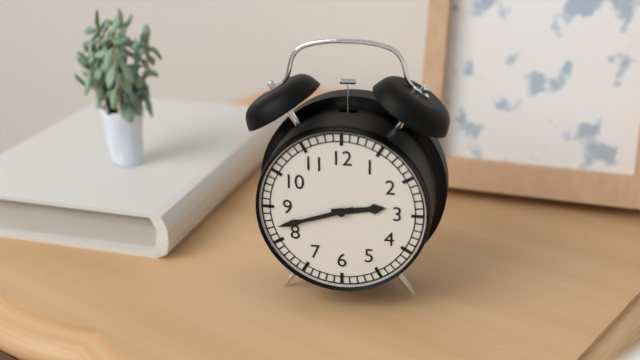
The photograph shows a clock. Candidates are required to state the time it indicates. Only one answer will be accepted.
2:42
